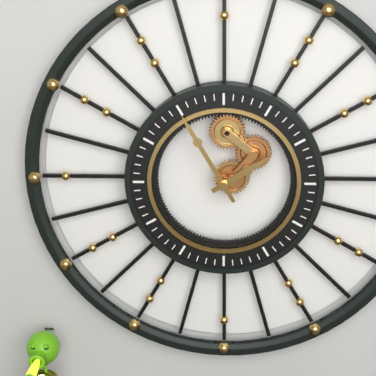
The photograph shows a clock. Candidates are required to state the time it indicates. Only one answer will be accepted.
1:55
